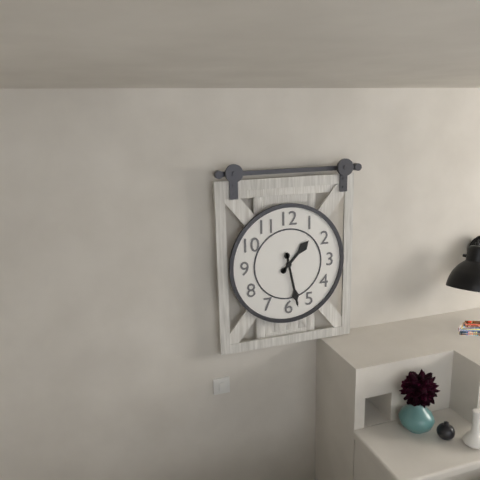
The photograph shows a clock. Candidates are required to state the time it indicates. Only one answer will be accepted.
1:28
